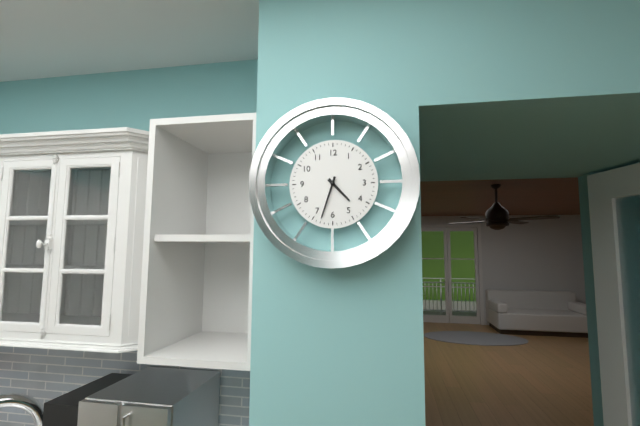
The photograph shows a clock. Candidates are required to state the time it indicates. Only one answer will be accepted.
4:33
